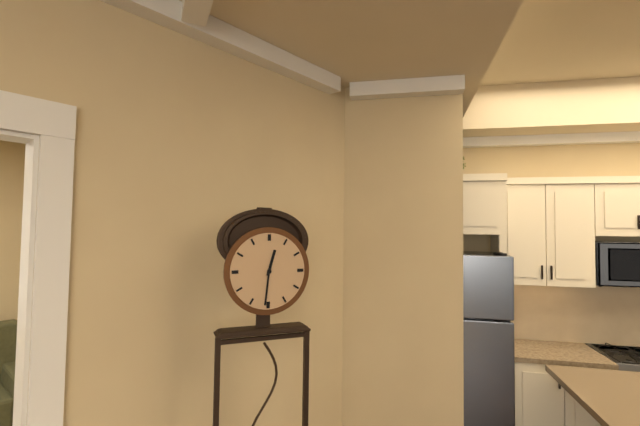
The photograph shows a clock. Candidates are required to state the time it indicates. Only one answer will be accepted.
12:31
